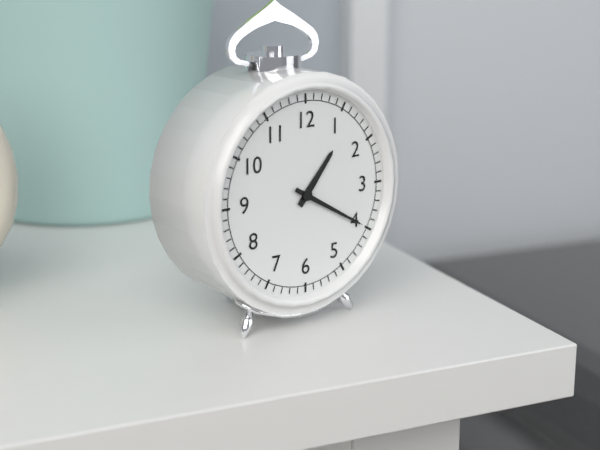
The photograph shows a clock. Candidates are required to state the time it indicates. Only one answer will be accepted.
1:20
